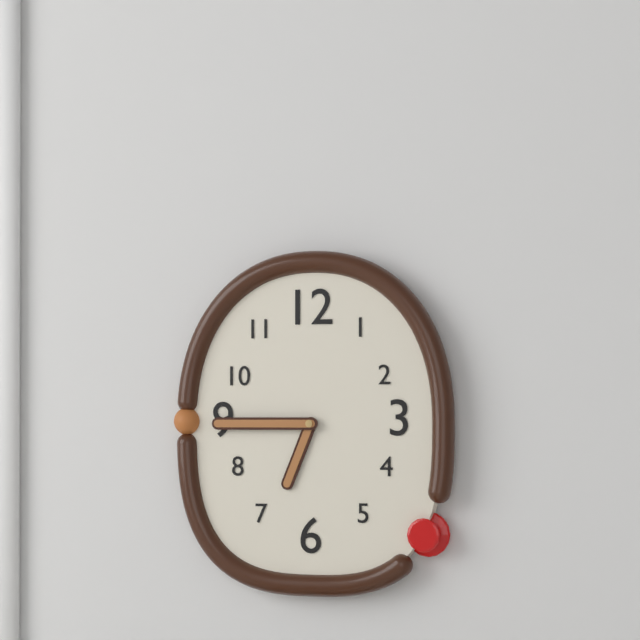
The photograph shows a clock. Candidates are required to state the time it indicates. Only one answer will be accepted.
6:45
